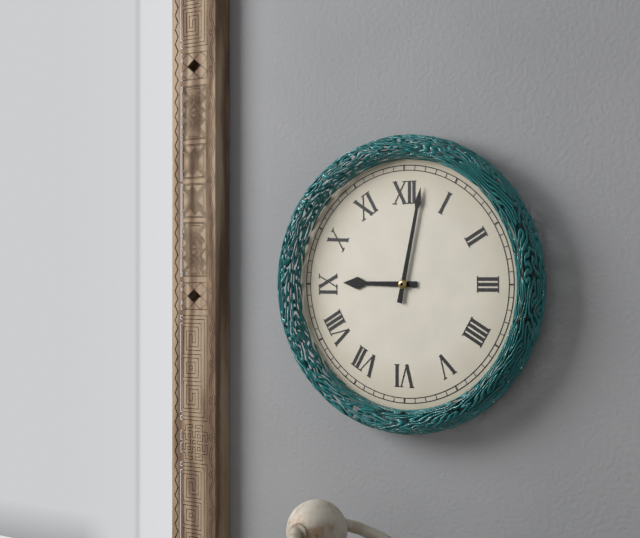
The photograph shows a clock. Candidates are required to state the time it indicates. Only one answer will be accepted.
9:02
